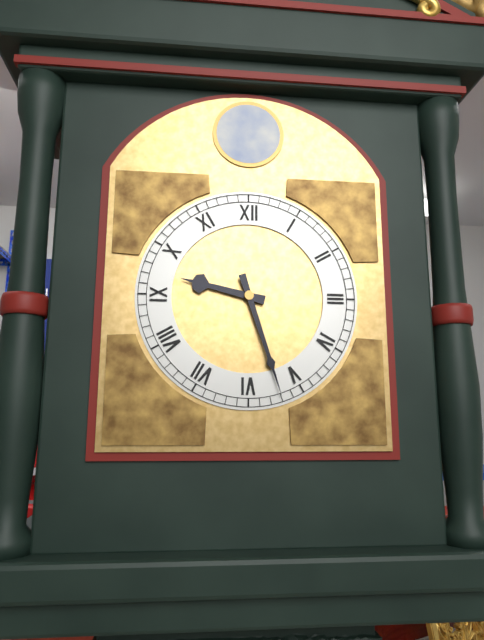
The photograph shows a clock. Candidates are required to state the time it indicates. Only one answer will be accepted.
9:27
